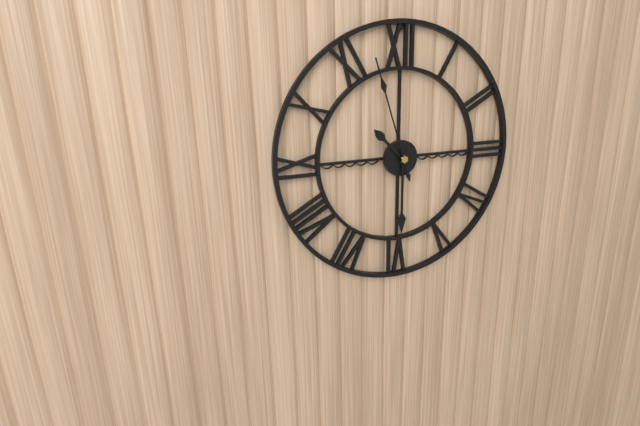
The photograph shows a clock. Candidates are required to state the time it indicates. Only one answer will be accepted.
10:30:57
